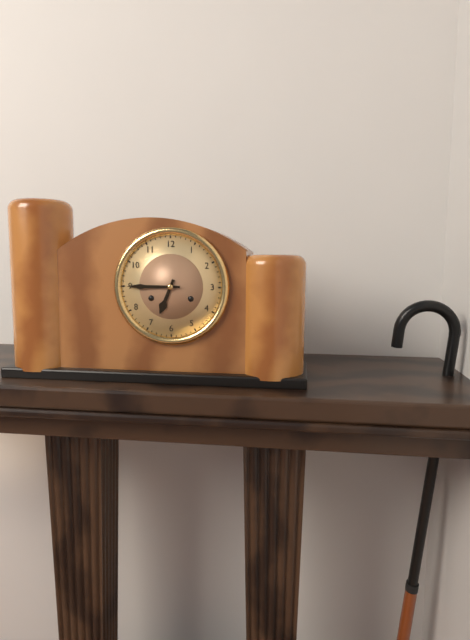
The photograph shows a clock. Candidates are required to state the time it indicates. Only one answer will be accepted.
6:45
